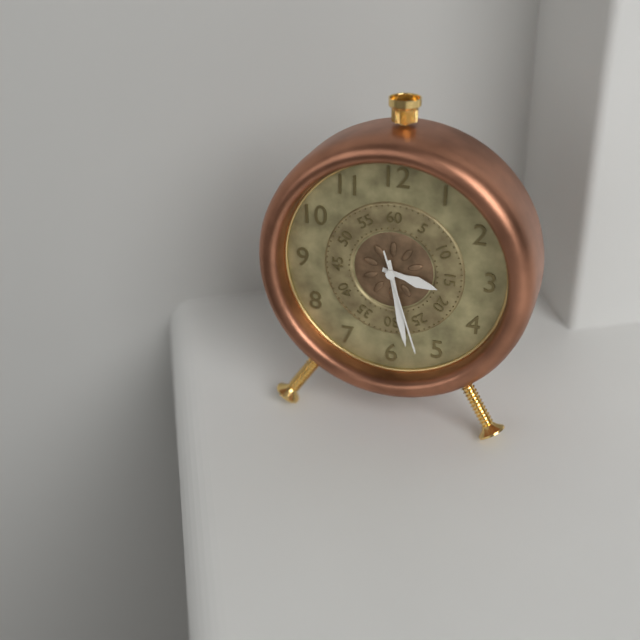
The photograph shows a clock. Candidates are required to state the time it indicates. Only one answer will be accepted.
3:28:27
